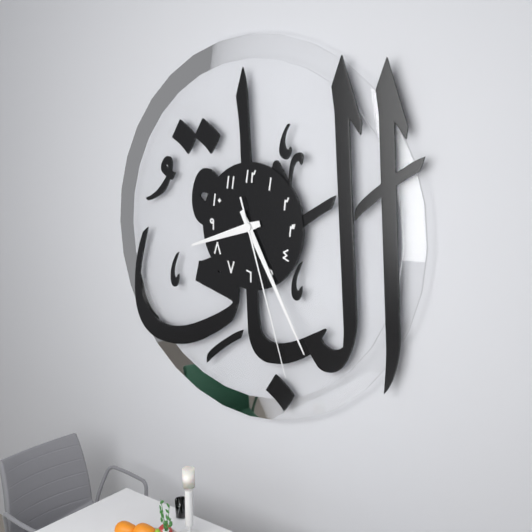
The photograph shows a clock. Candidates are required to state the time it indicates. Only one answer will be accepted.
8:25:27
